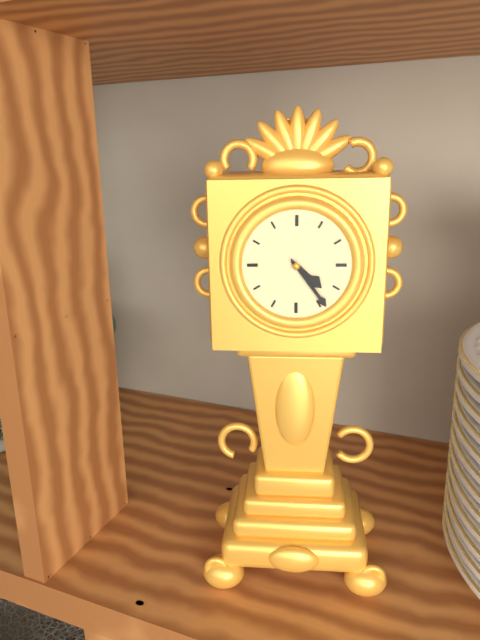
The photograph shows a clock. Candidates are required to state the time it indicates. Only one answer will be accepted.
4:24
